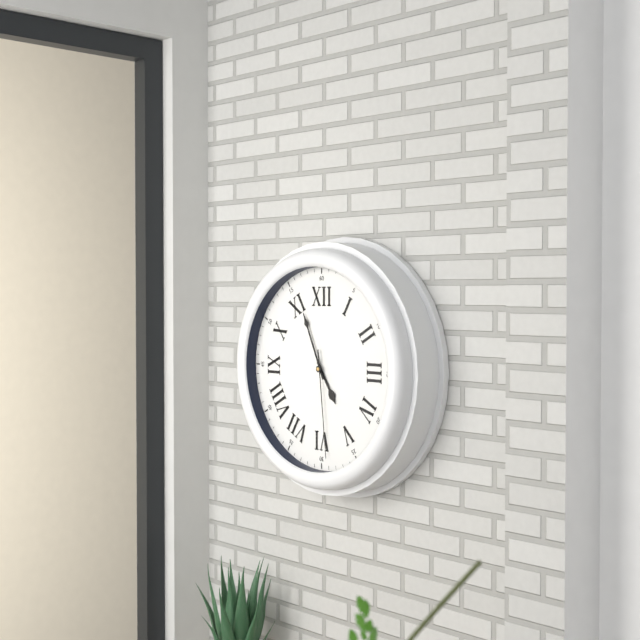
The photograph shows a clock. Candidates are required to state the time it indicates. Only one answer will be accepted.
4:56:29
